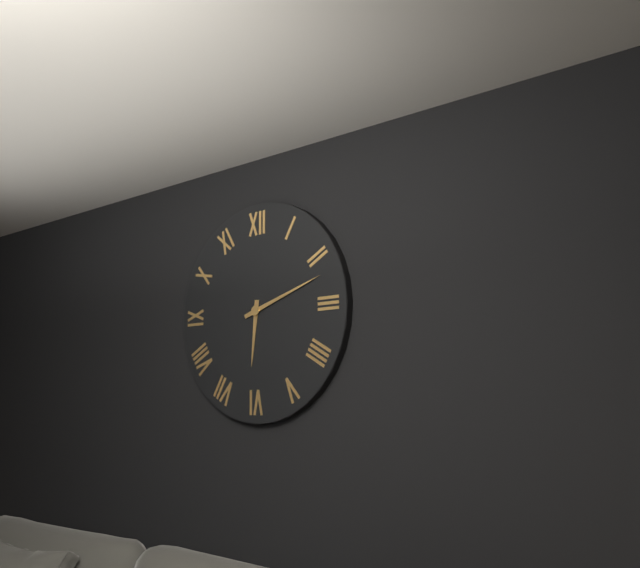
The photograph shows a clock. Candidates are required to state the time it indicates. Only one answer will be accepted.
6:12
